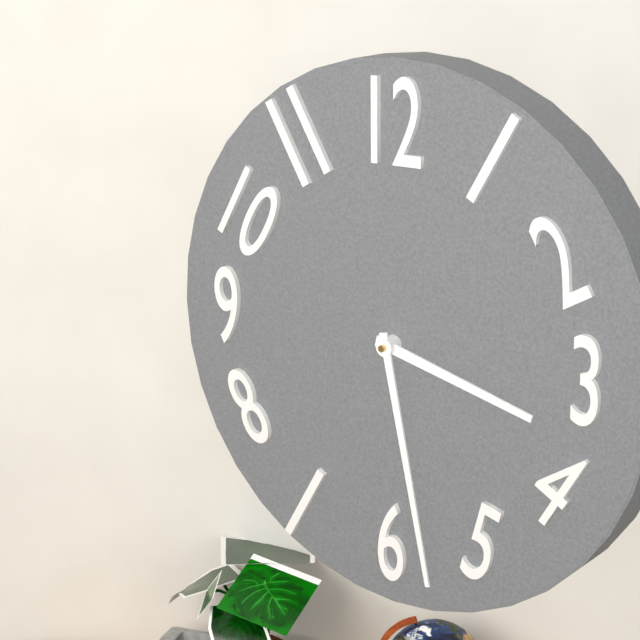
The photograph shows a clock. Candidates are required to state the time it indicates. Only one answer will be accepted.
3:28
